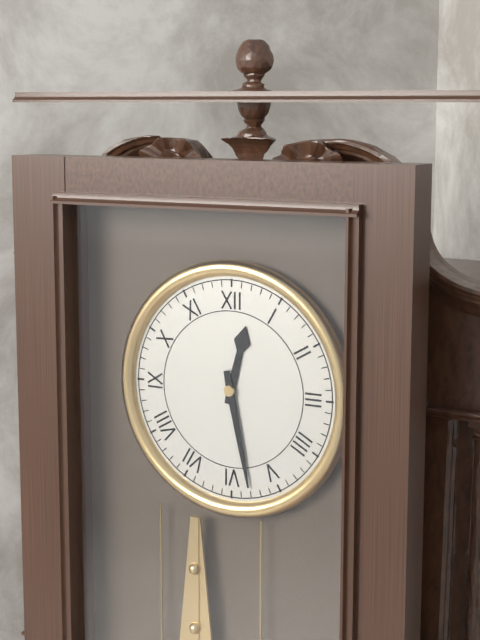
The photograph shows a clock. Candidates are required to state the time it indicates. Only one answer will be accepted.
12:28
